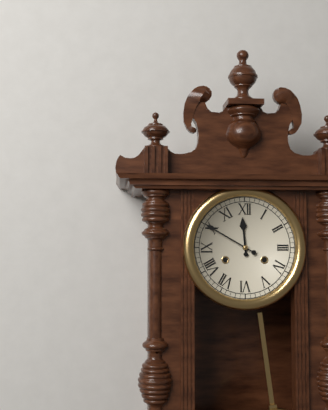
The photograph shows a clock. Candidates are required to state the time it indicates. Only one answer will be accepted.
11:50
